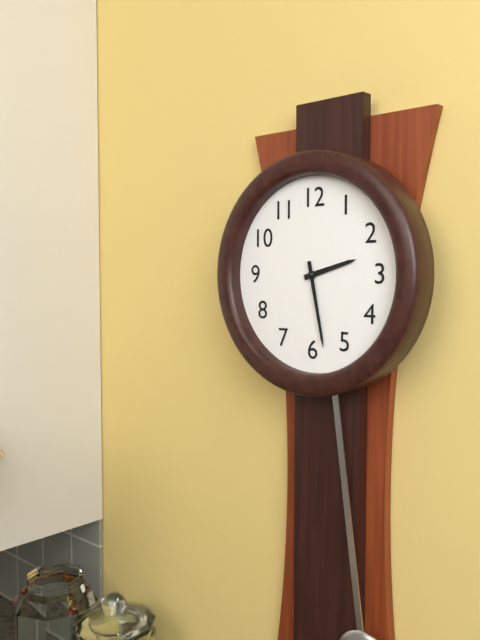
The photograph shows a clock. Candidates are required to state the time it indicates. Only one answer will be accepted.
2:28
